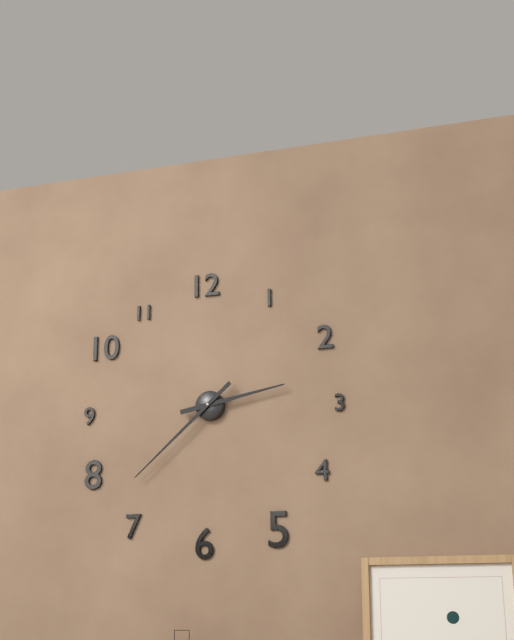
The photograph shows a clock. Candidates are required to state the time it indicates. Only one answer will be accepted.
2:38
